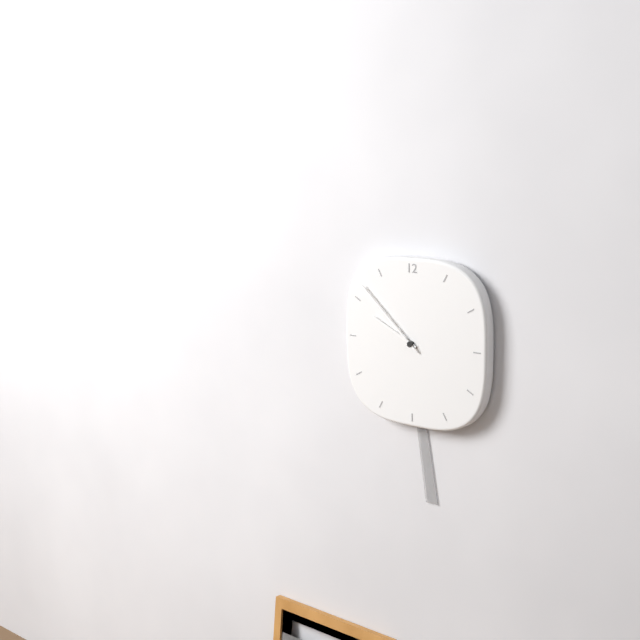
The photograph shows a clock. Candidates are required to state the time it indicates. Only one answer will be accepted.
9:52
